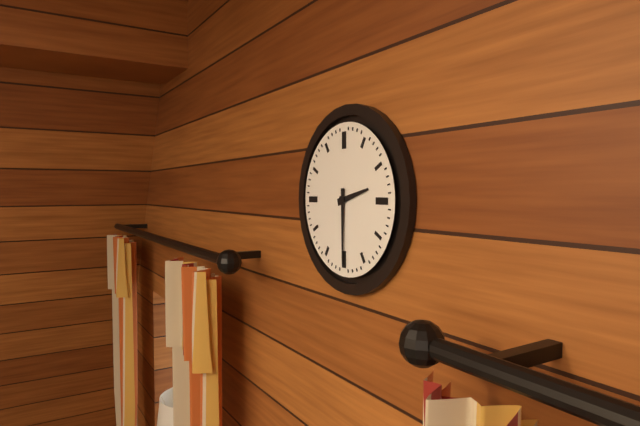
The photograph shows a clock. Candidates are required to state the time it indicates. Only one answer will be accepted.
2:30
